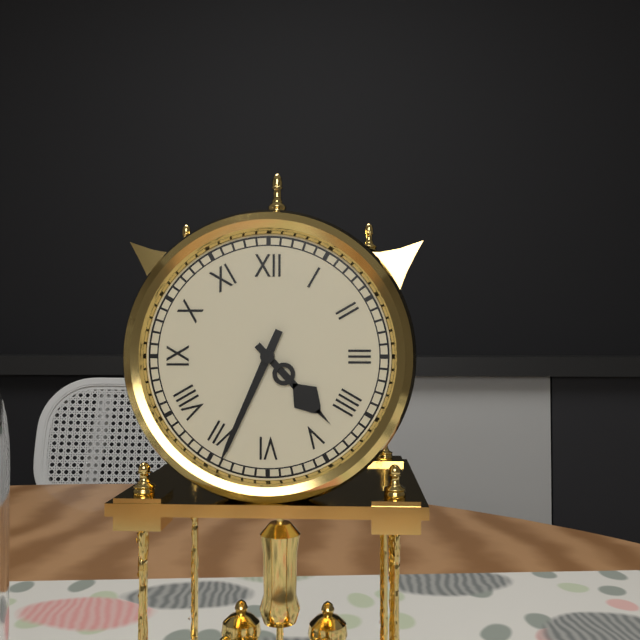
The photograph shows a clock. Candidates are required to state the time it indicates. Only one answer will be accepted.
4:34
